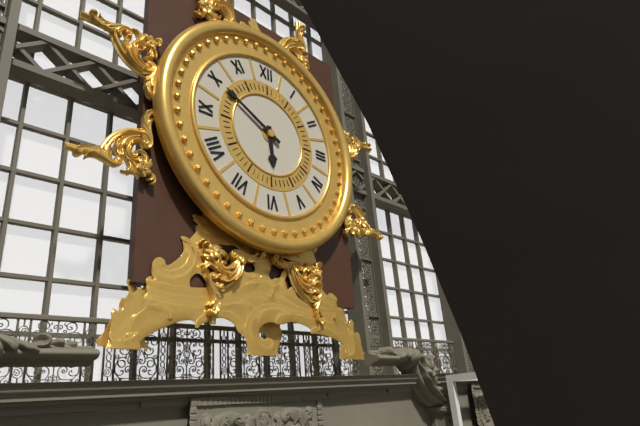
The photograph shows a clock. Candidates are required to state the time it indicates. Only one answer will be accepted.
5:50
